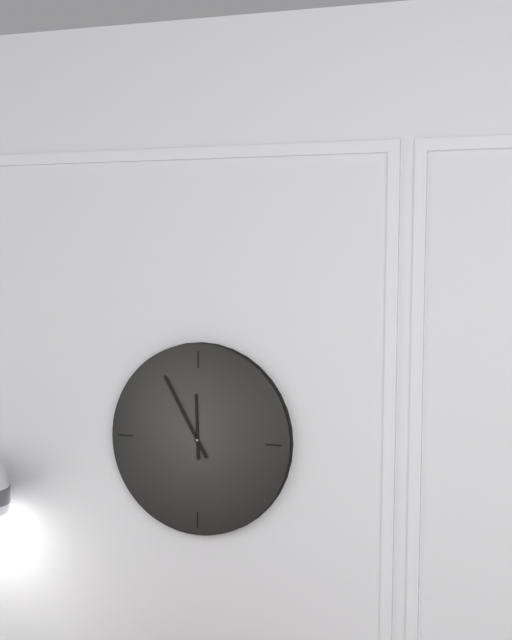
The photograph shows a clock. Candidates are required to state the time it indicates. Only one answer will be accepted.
11:55
